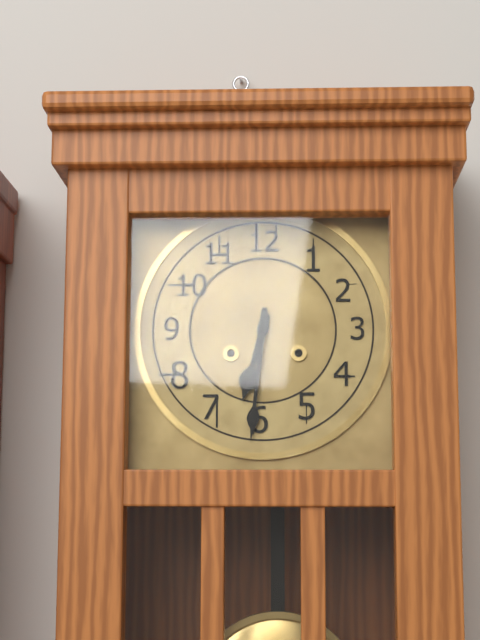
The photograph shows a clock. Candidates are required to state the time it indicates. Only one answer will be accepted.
6:31
